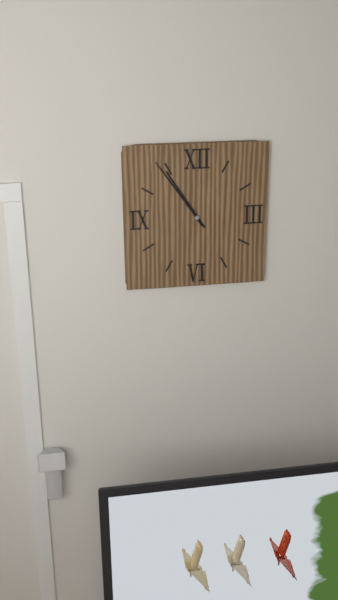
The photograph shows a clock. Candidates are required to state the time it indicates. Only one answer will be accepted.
10:54
